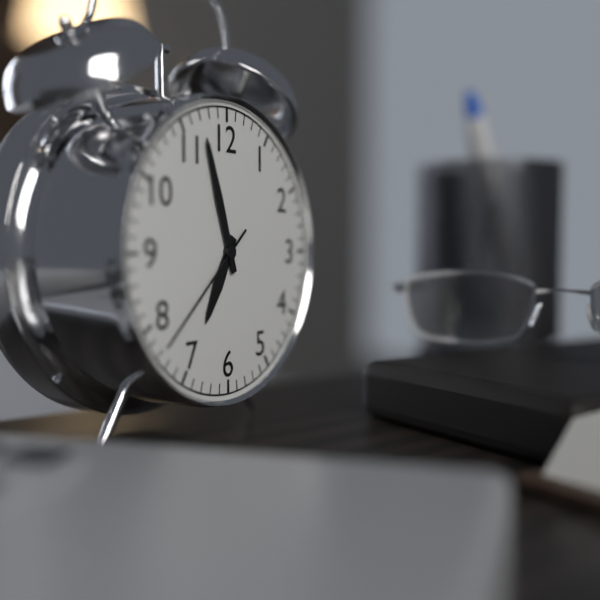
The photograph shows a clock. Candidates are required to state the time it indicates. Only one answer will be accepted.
6:57:38
